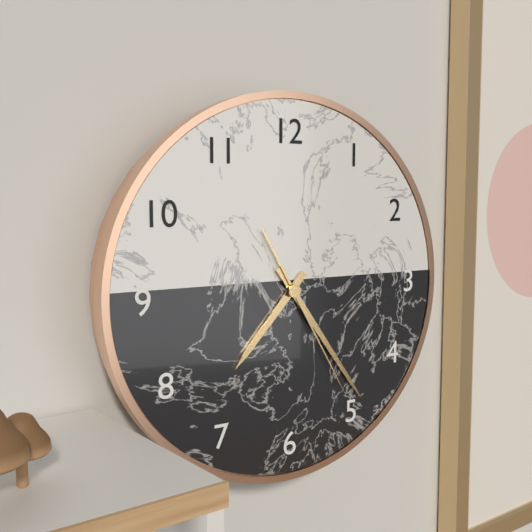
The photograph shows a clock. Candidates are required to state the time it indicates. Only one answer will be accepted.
7:24:25
